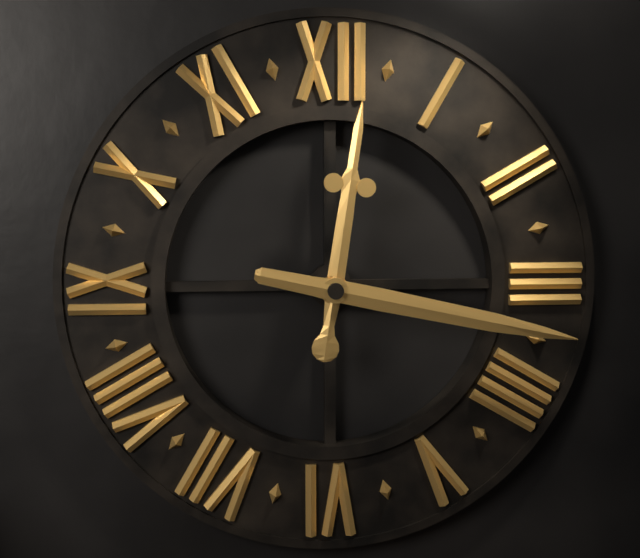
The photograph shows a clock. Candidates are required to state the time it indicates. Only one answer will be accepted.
12:17
